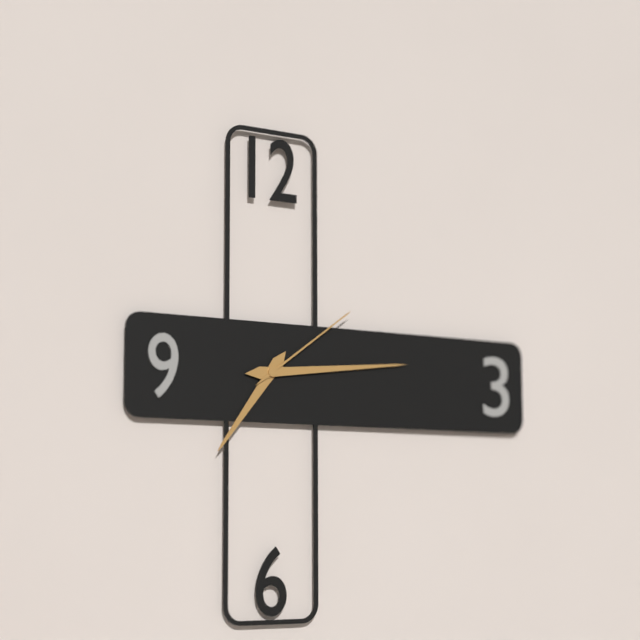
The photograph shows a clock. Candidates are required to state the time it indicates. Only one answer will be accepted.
7:14:09
